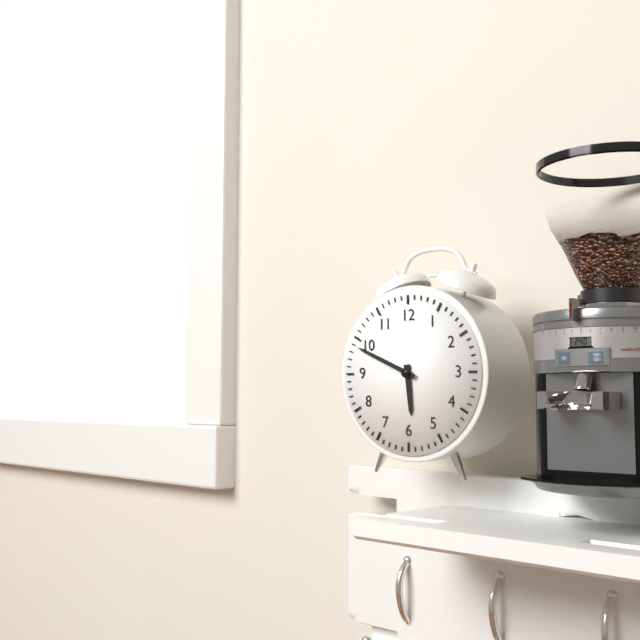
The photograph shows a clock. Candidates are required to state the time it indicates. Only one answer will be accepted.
5:49
